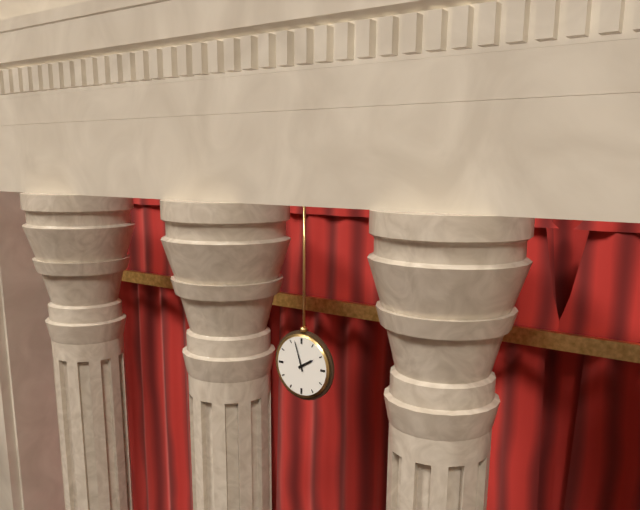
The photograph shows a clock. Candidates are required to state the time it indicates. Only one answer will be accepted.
1:57
